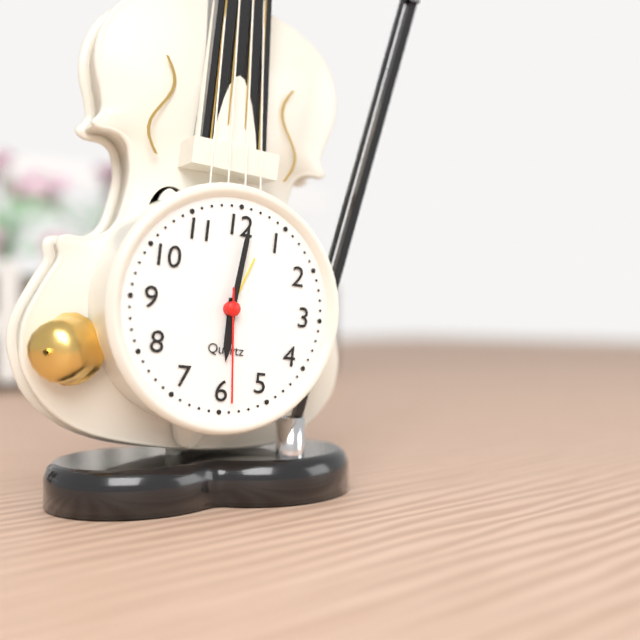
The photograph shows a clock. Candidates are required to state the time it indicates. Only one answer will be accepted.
6:01:29
